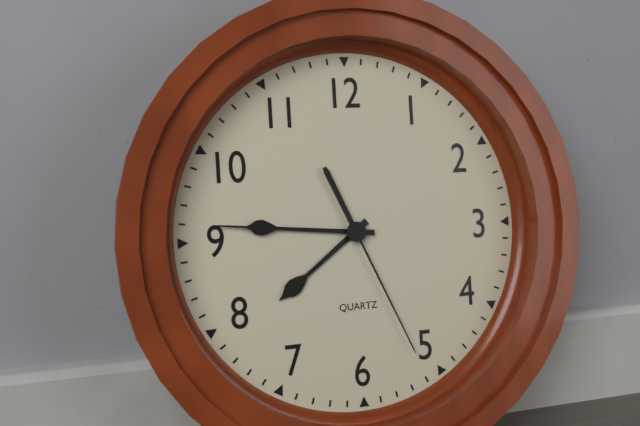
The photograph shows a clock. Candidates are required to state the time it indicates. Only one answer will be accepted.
7:46:26
